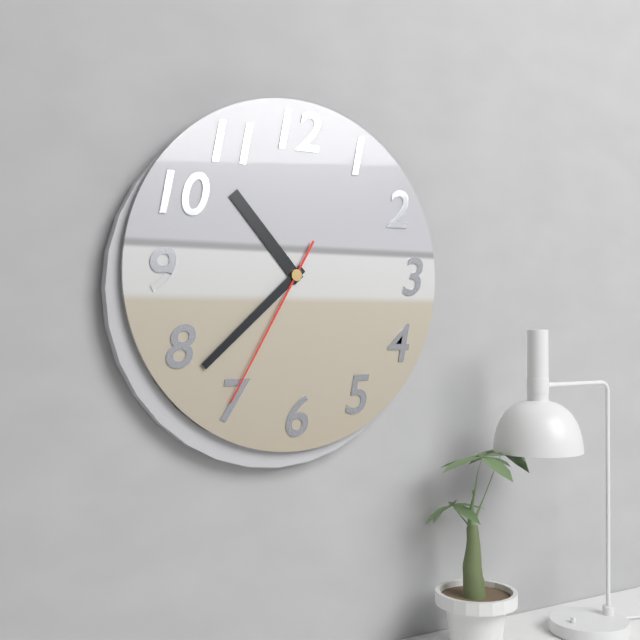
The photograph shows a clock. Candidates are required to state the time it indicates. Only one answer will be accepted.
10:38:35
